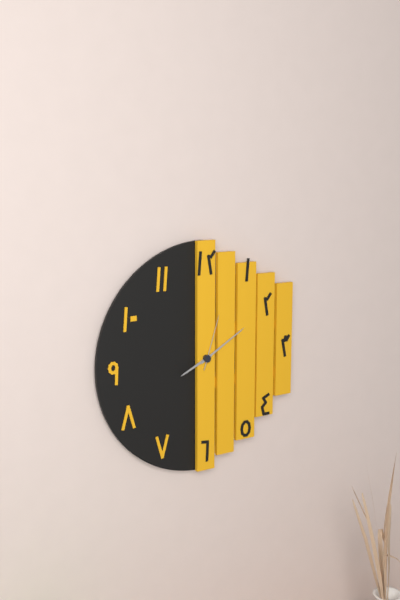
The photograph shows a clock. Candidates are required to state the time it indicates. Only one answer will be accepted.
8:10:03
